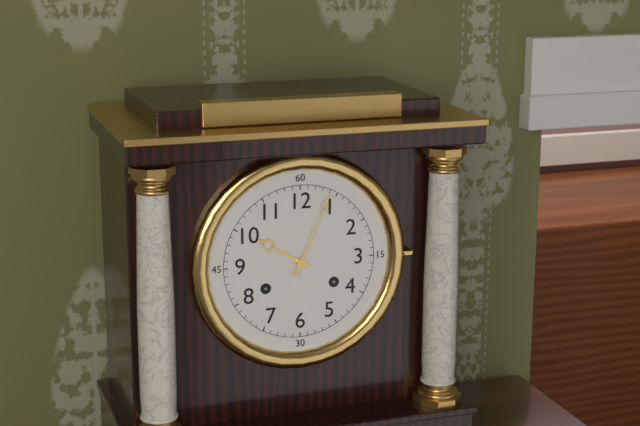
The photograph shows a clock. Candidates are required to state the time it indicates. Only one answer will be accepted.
10:04
